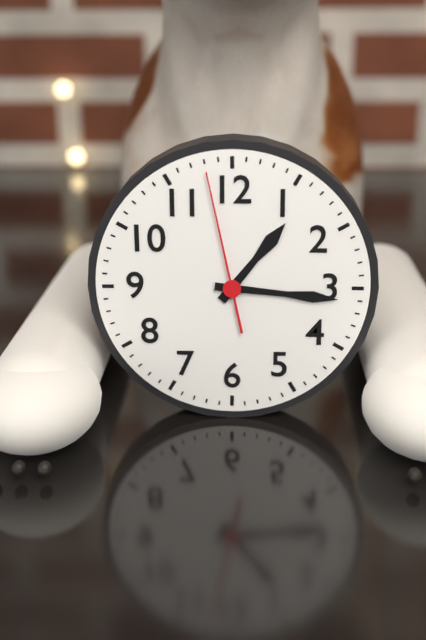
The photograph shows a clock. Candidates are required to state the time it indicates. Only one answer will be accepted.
1:16:58
